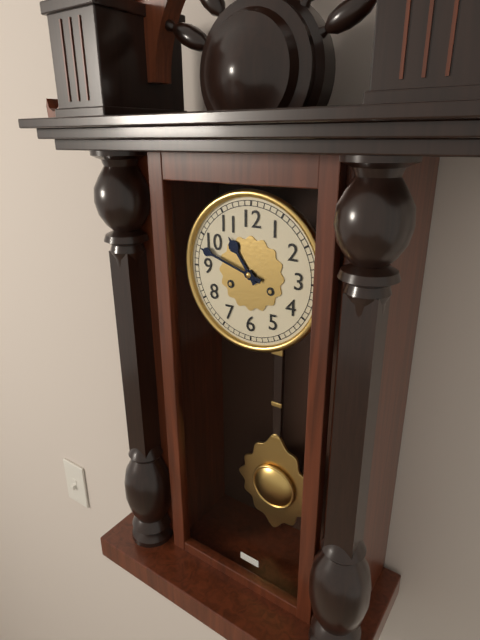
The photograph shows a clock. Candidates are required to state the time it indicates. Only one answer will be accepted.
10:48
